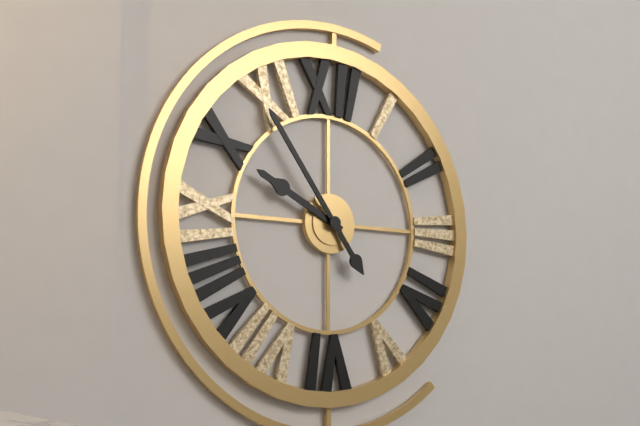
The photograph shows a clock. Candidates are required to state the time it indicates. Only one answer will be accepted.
9:54
